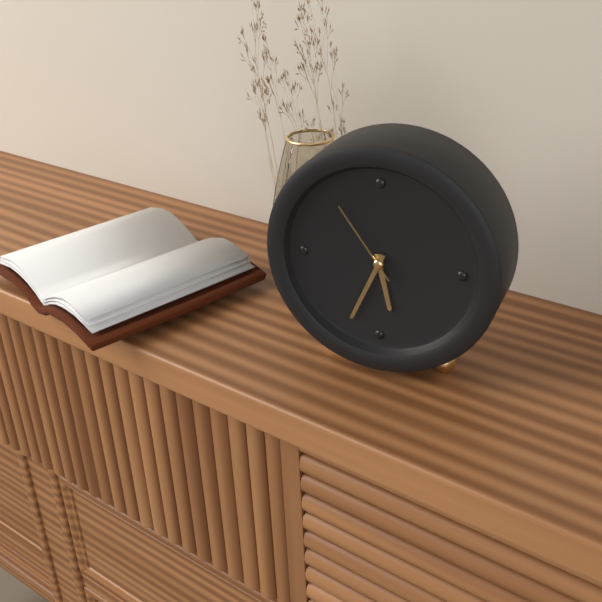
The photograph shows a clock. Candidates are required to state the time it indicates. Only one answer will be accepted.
5:34:54
